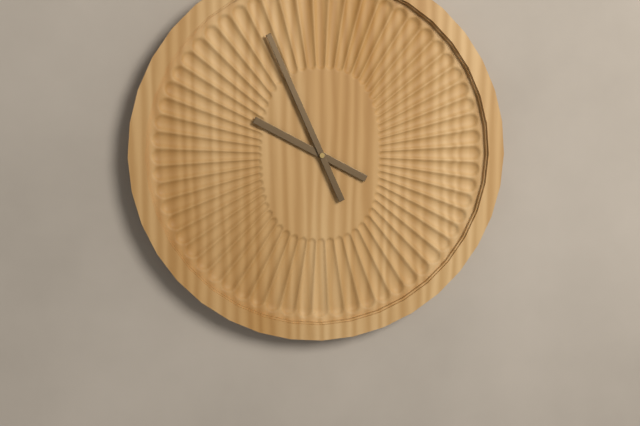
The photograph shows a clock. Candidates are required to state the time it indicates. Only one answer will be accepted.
9:56
